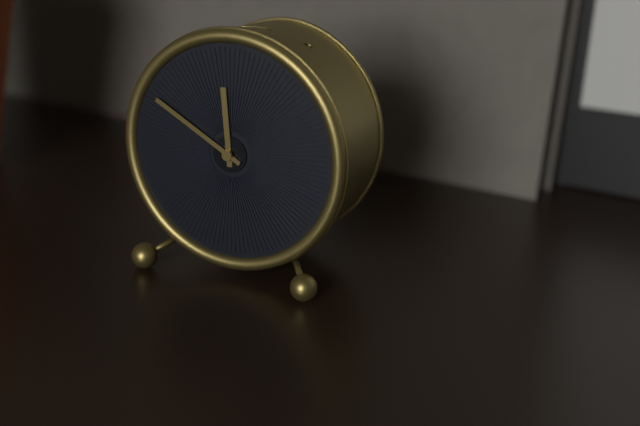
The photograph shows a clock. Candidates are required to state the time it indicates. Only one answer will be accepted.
11:50
